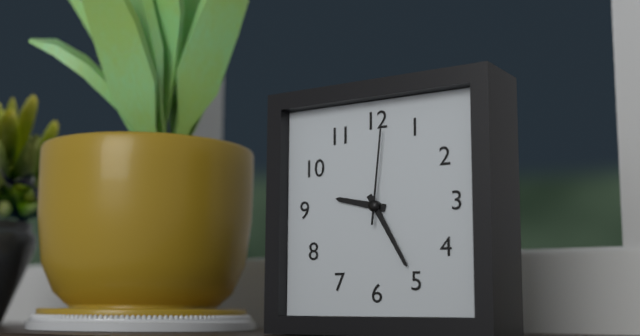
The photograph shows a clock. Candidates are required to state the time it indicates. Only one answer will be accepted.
9:25:01
